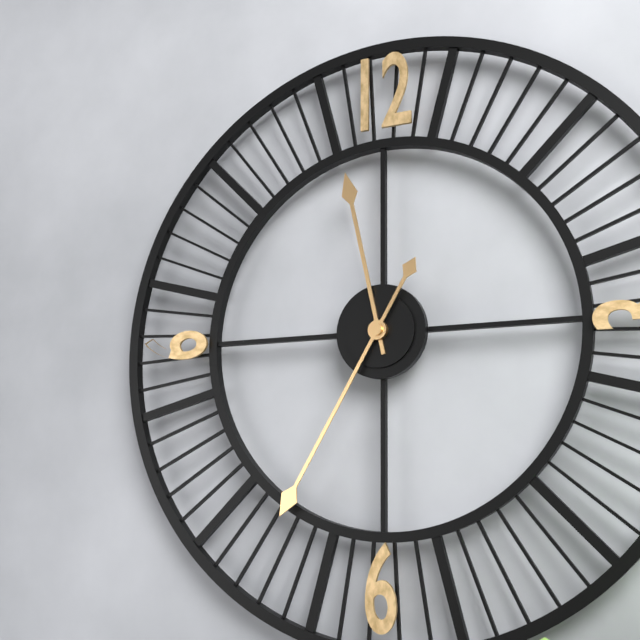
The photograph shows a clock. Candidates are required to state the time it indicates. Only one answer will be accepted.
11:35
